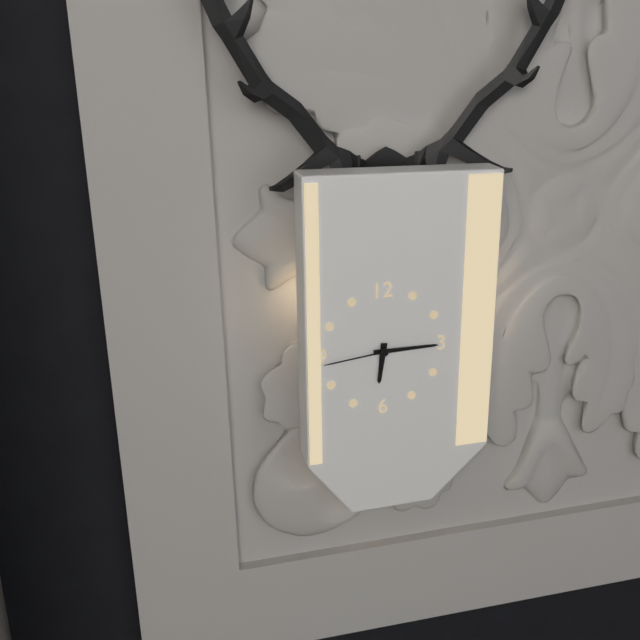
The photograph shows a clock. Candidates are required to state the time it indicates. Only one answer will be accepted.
6:15:44
